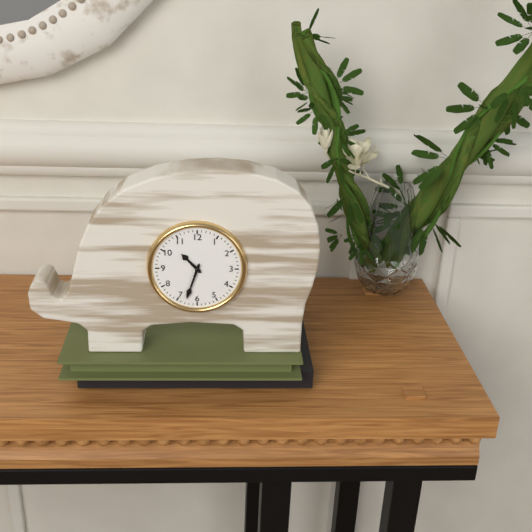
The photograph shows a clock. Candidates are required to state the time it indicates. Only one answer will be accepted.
10:33
